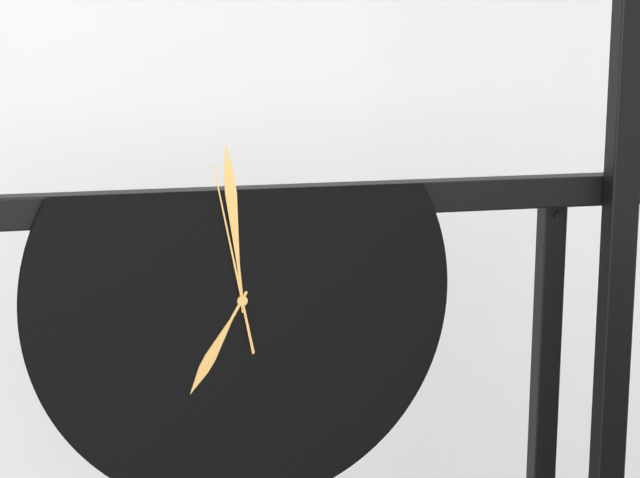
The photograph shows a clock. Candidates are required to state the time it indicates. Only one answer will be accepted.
6:59:58
